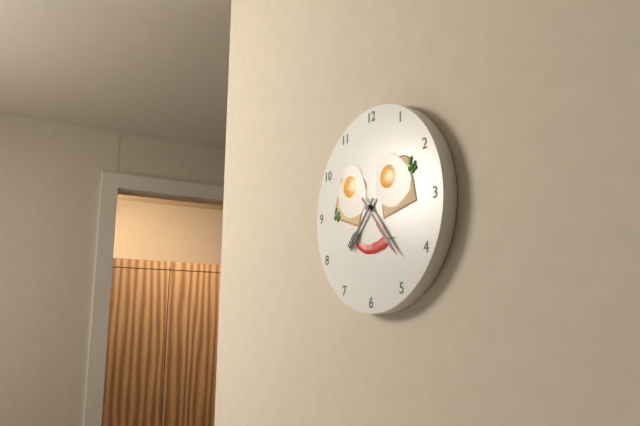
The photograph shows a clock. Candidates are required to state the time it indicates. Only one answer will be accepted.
7:23
